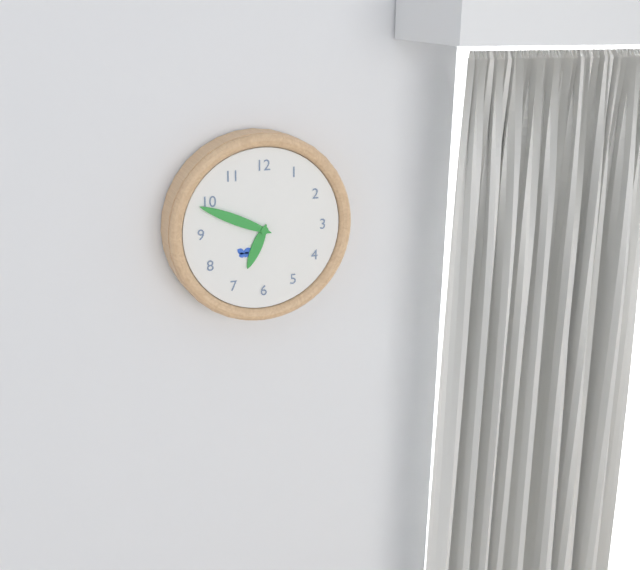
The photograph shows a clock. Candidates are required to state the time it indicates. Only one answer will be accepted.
6:49
